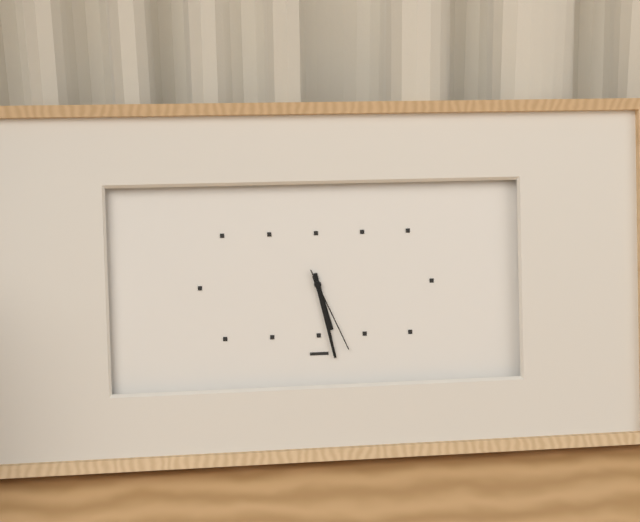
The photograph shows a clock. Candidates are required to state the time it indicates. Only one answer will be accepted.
5:28:26
